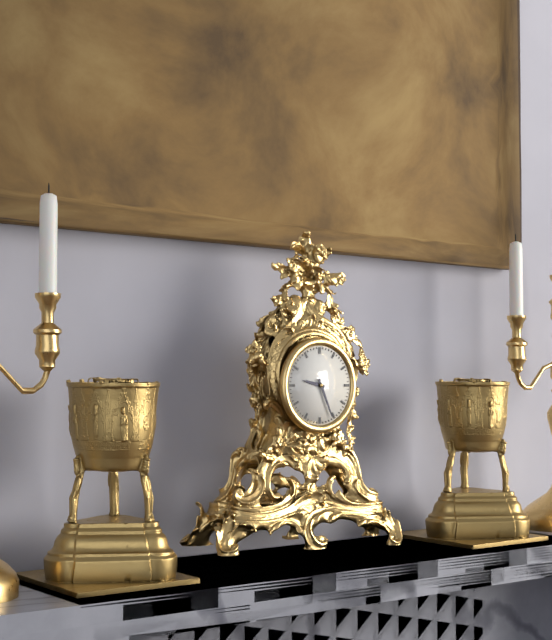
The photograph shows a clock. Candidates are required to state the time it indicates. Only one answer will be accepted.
9:26
